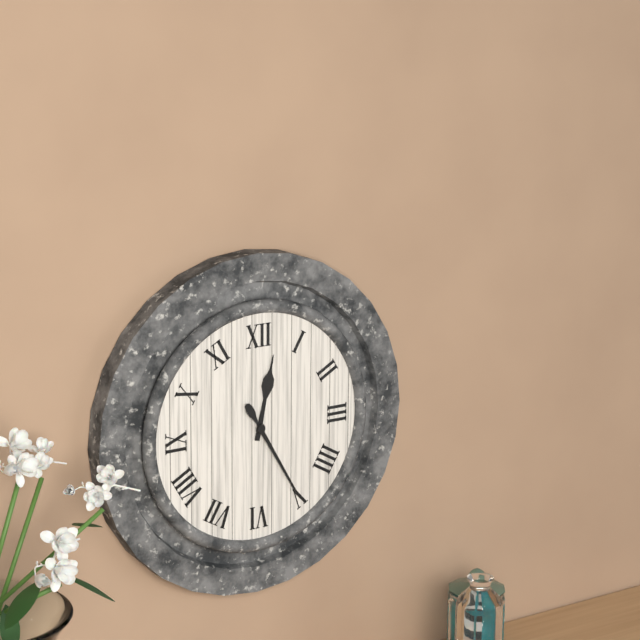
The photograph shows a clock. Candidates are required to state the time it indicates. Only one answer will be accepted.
12:25
